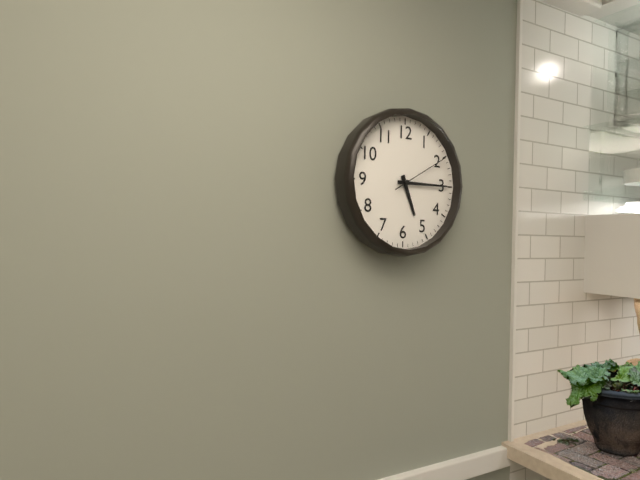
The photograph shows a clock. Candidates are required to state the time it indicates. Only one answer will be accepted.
5:15:10
